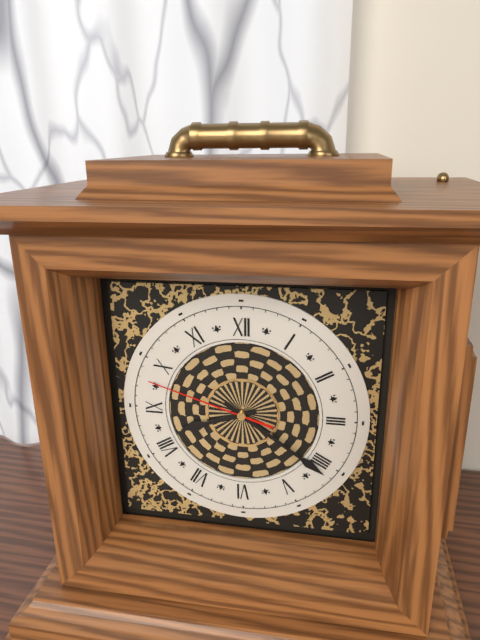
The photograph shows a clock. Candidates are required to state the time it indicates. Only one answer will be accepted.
8:21:48
